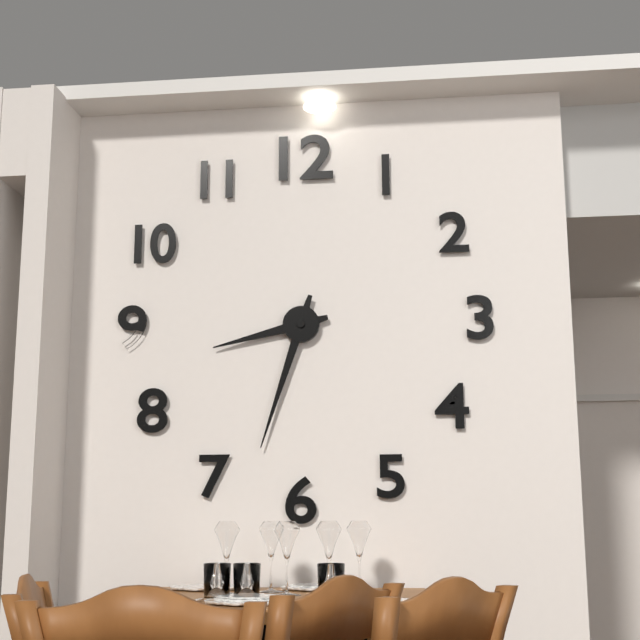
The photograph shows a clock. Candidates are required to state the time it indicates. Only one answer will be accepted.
8:33
